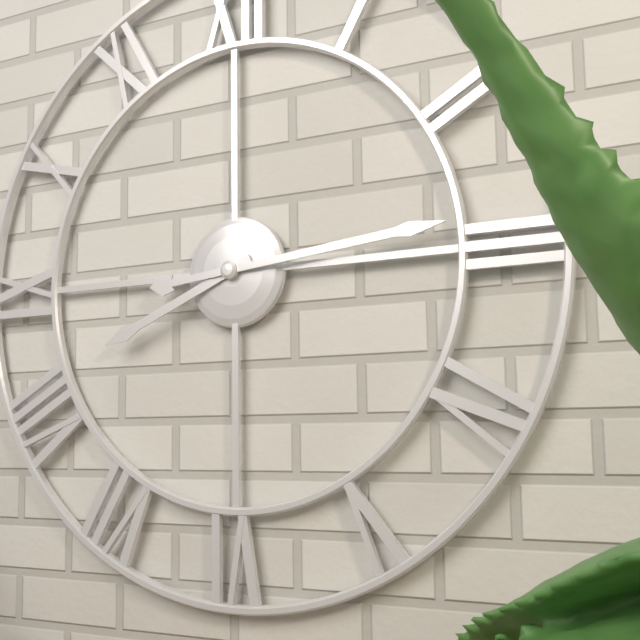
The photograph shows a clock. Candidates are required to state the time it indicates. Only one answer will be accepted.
8:14
